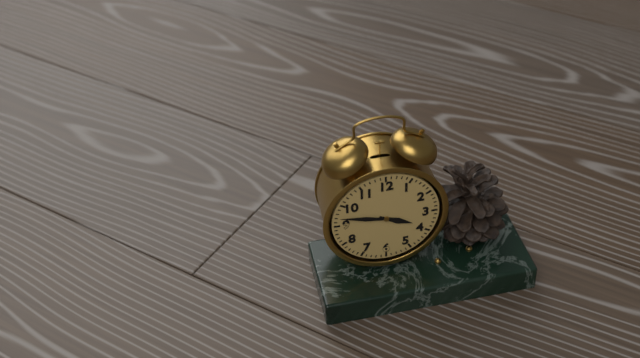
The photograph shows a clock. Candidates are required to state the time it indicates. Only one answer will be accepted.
3:47
